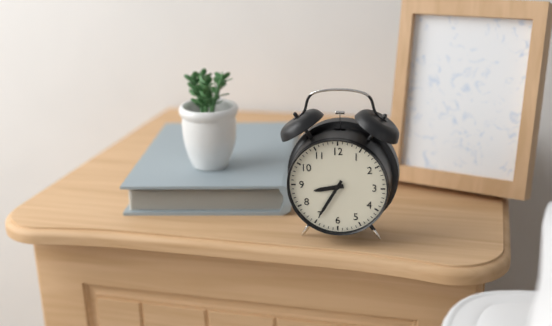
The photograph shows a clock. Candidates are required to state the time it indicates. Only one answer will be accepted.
8:35
